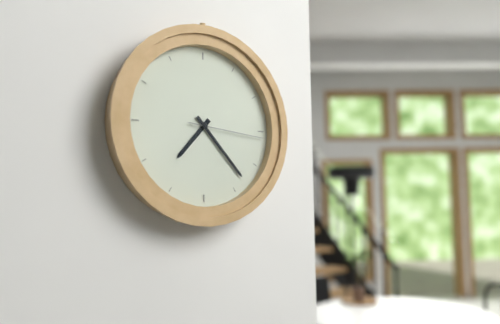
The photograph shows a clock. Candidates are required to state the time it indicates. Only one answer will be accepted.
7:23:16
